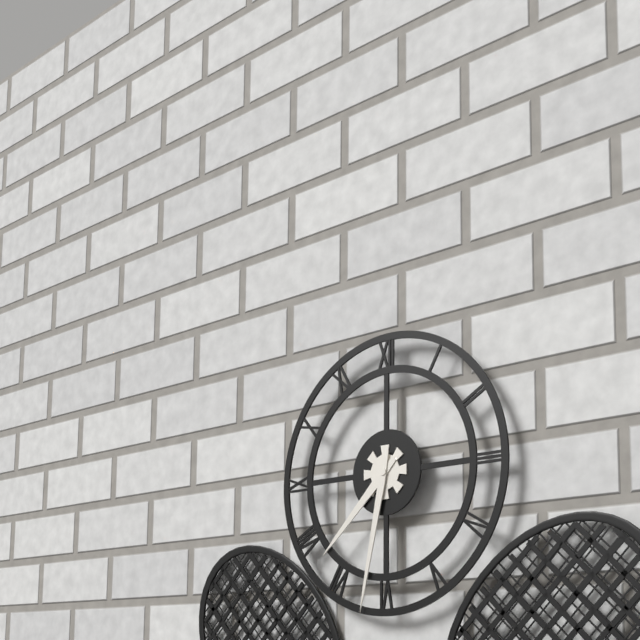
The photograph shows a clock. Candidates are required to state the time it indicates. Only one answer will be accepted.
7:32
